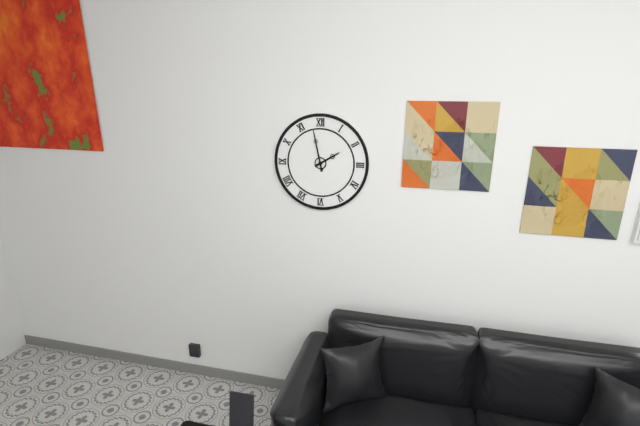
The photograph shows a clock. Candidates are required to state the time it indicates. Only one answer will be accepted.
1:58
